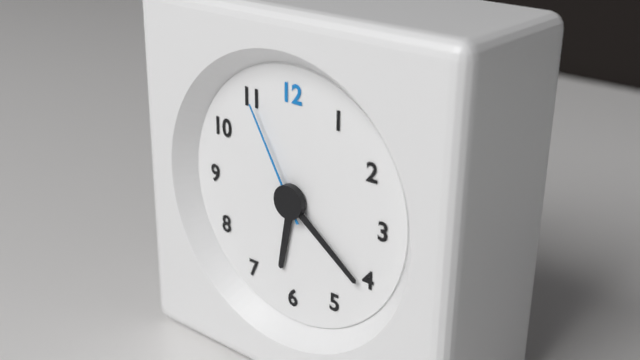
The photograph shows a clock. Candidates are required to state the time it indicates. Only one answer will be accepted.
6:21:55
